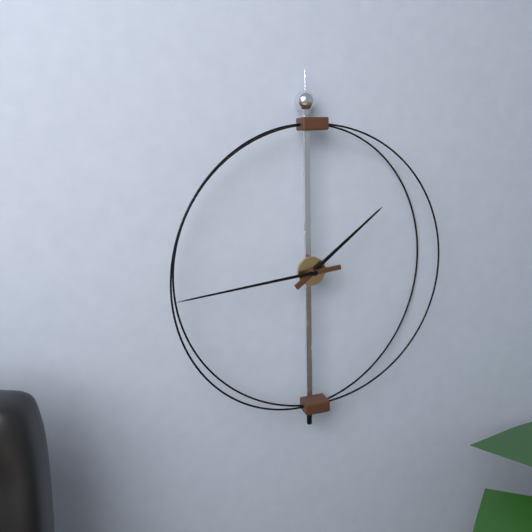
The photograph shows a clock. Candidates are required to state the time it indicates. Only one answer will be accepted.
1:44
